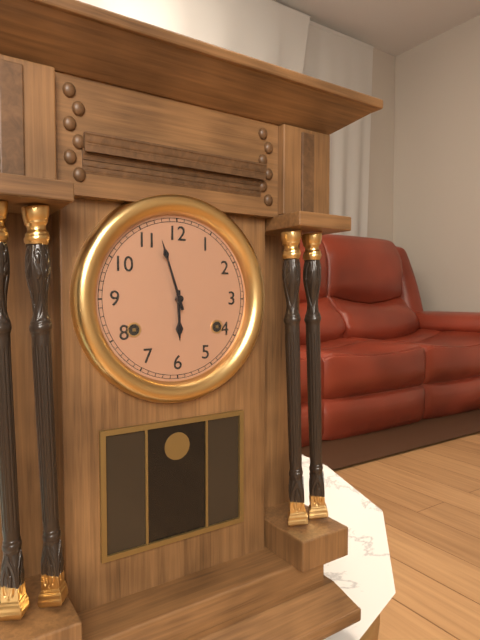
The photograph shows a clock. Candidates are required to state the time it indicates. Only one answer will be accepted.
5:57
